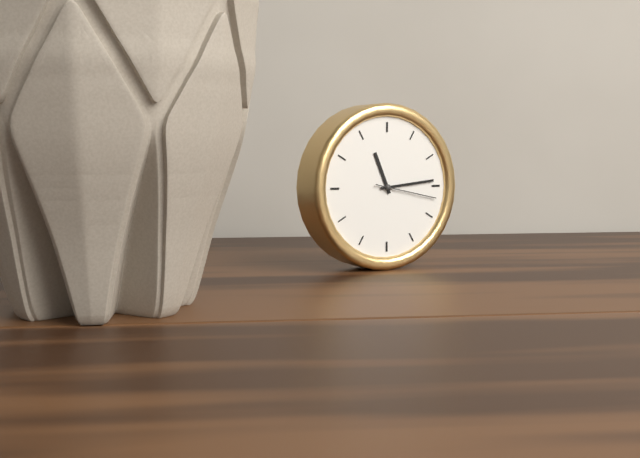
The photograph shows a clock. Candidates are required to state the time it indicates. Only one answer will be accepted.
11:14:17
